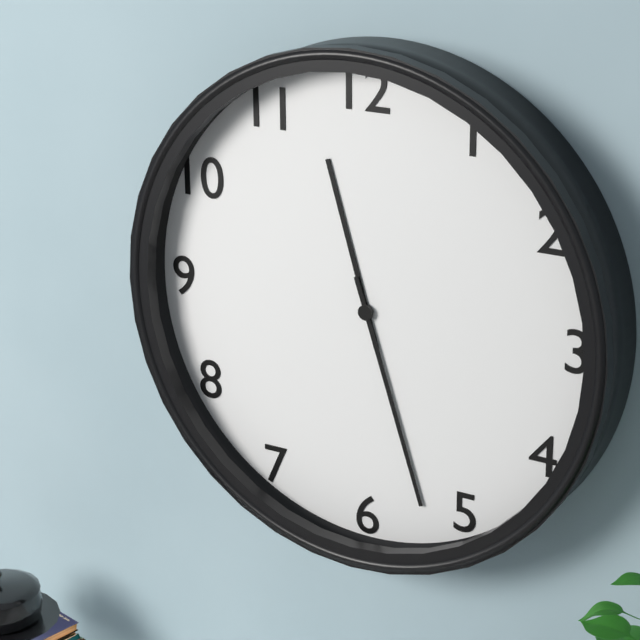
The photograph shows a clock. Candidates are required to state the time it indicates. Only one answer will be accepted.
11:27
